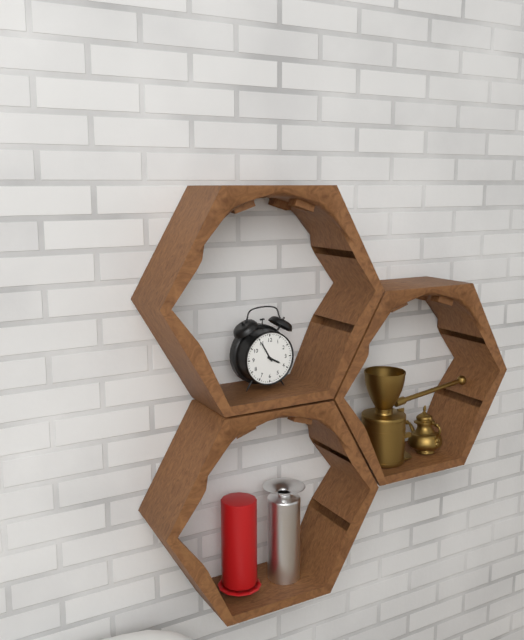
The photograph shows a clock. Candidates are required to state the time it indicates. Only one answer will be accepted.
3:55
